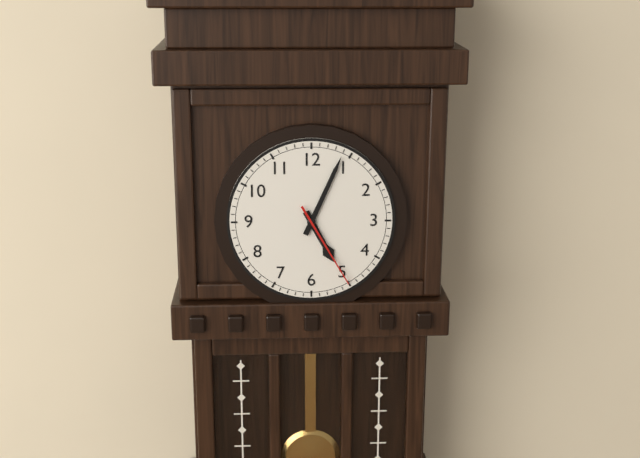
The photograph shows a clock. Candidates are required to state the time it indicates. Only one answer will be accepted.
5:04:25
